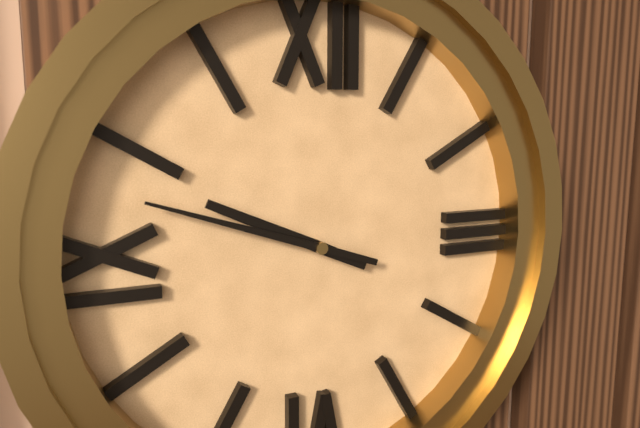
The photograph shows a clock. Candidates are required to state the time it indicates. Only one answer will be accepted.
9:48
